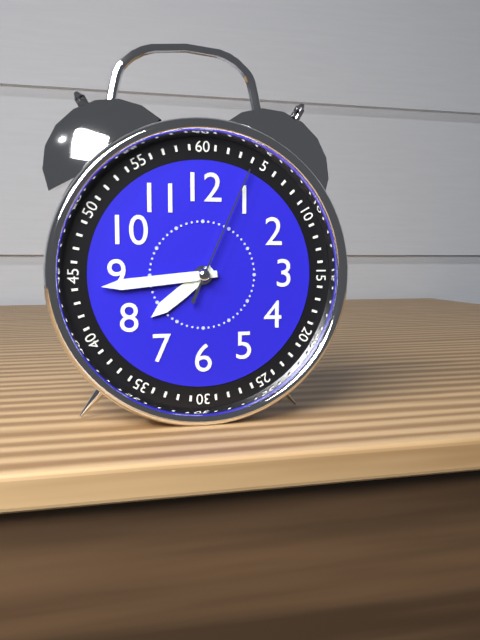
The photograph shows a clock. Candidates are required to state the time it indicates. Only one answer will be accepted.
7:44:04
